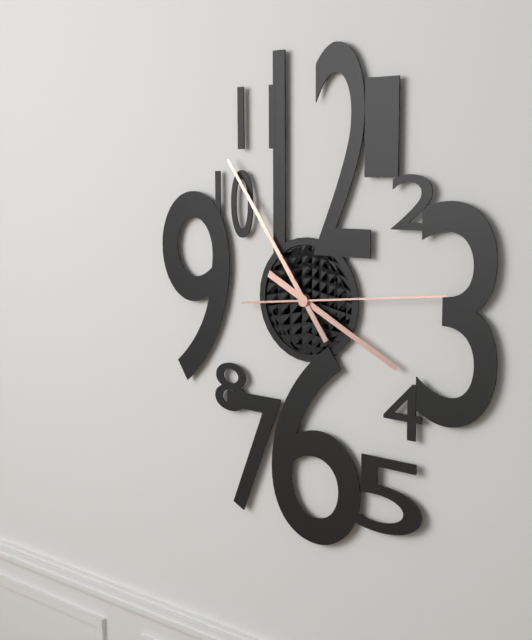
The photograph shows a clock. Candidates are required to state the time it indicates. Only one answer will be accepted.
3:54:14
